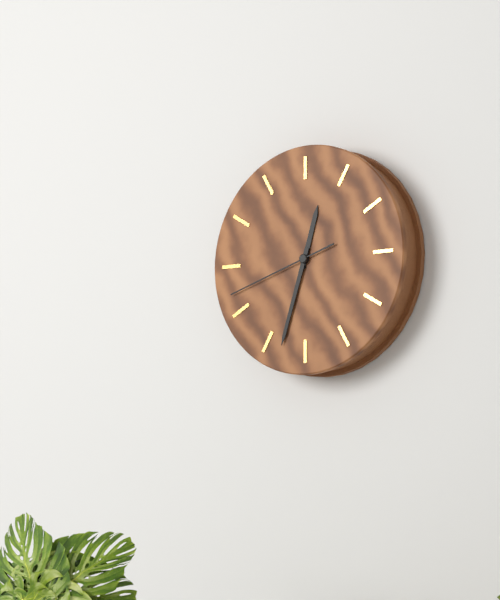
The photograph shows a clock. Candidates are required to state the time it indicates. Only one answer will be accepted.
12:33:42
